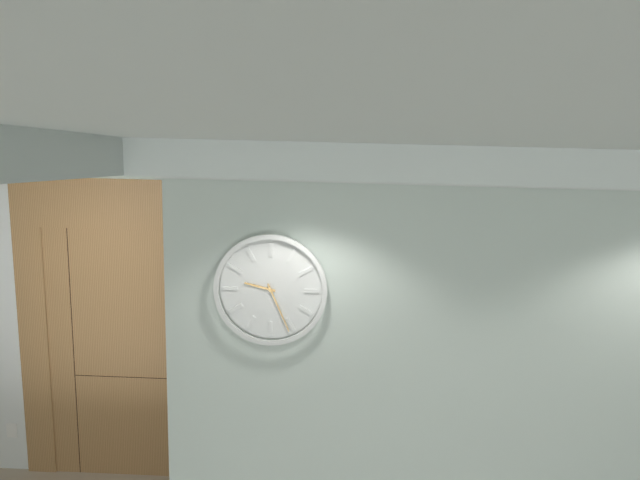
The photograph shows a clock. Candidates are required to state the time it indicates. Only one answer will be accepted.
9:26
